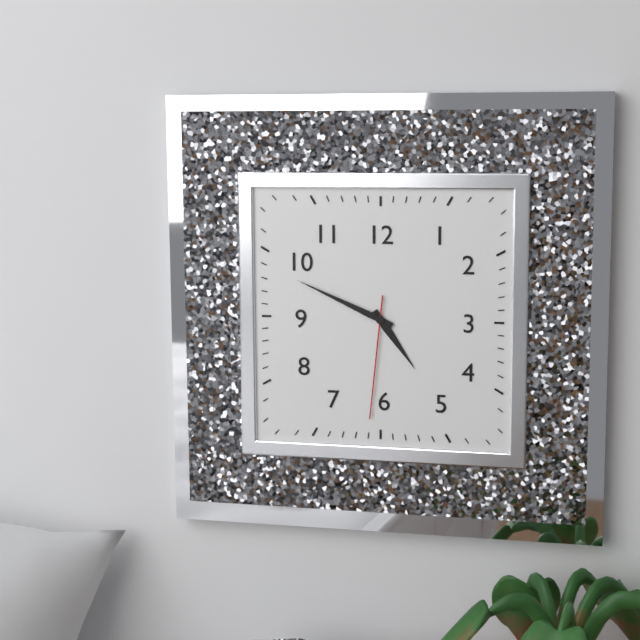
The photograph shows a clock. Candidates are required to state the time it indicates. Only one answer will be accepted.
4:49:31
